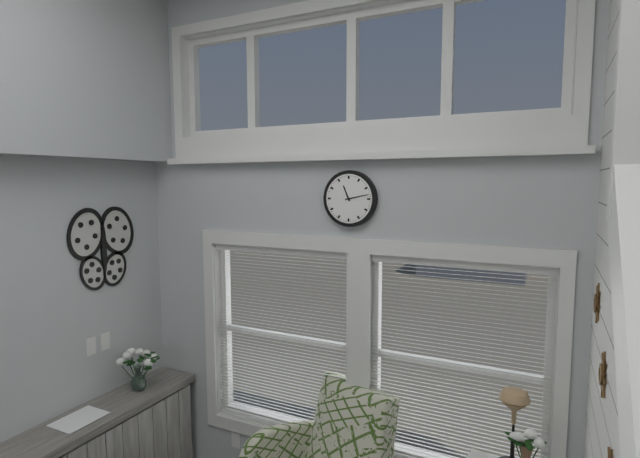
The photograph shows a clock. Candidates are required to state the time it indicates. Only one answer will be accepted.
11:13
